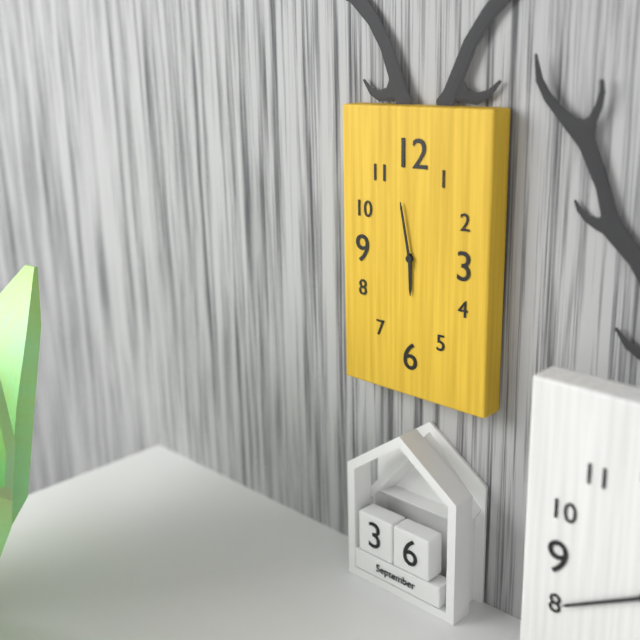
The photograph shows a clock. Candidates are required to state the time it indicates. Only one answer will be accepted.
5:58
